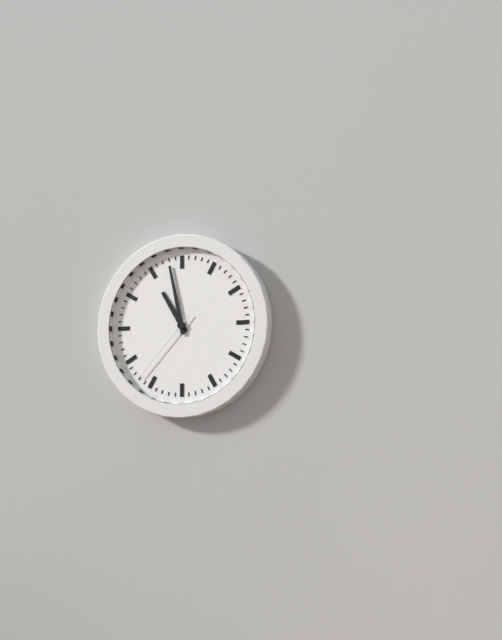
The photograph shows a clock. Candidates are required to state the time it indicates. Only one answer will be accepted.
10:58:37
